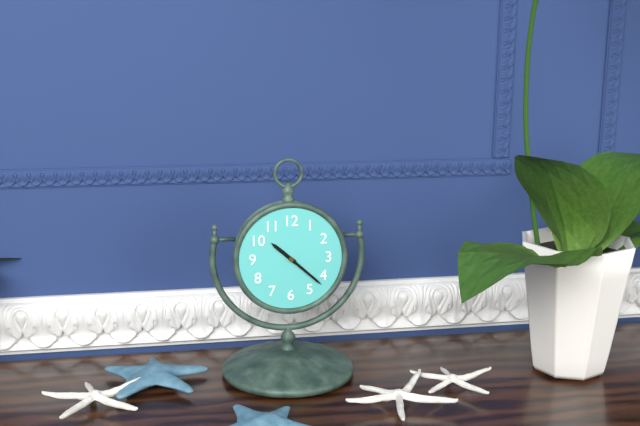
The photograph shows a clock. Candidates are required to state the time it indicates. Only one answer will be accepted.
10:22
